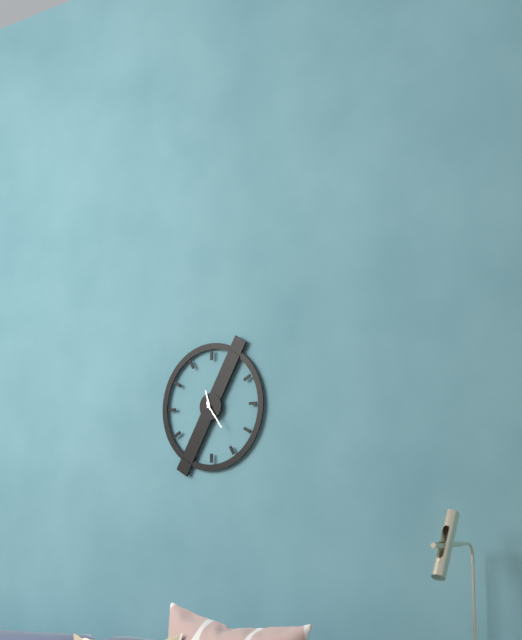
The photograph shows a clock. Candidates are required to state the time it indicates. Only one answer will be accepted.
11:24
